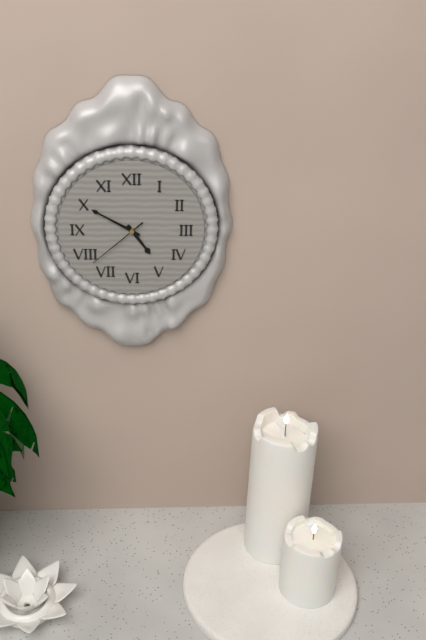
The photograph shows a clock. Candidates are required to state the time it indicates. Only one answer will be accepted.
4:50:38
